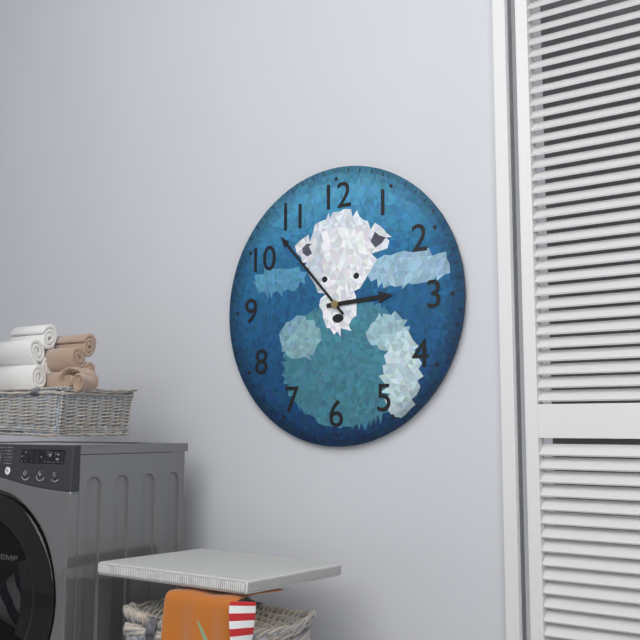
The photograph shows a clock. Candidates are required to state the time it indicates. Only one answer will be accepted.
2:53
